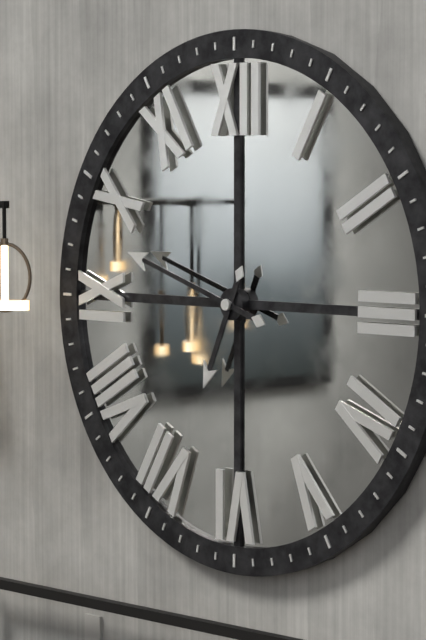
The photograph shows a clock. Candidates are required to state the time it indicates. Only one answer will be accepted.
6:48
